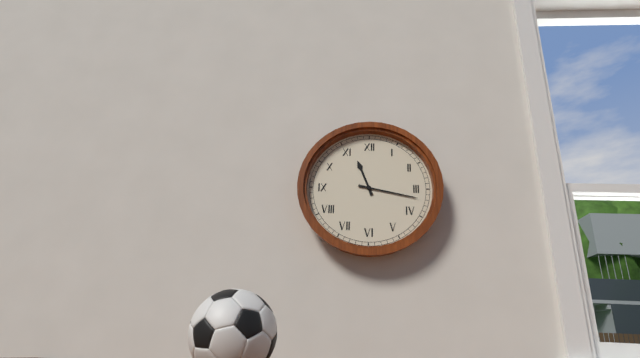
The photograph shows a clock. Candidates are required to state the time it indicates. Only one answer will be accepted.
11:17
